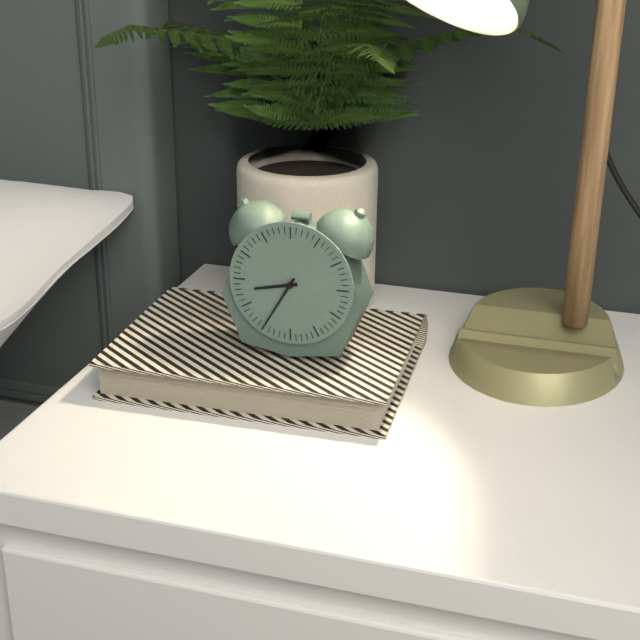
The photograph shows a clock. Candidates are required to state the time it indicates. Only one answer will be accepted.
8:35
